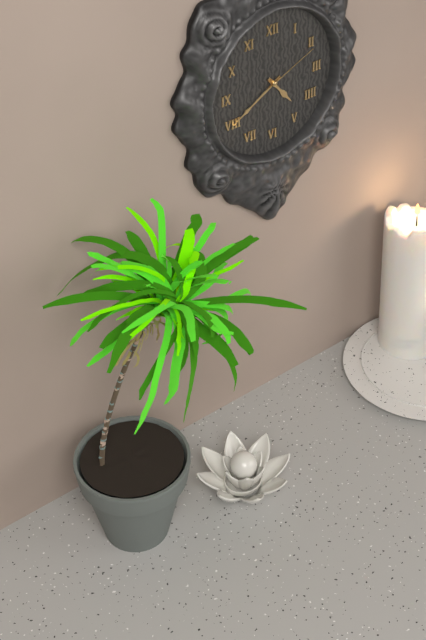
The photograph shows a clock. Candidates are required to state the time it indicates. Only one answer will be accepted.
4:40:11
